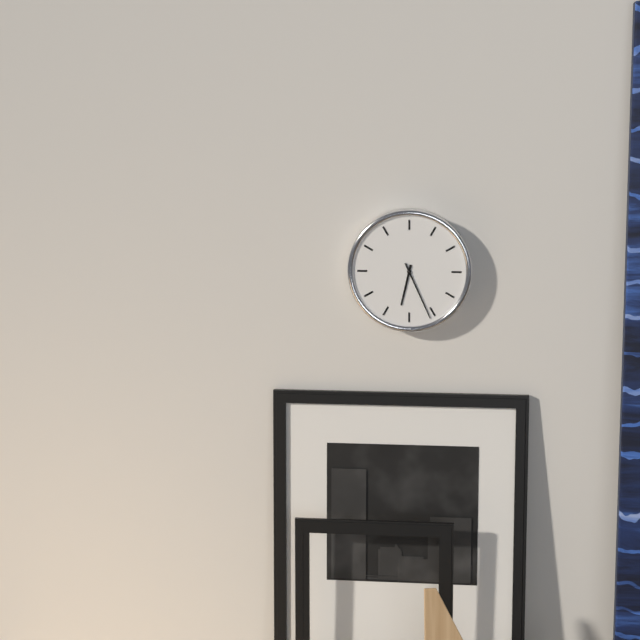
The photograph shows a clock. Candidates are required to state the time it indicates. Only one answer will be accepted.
6:26
